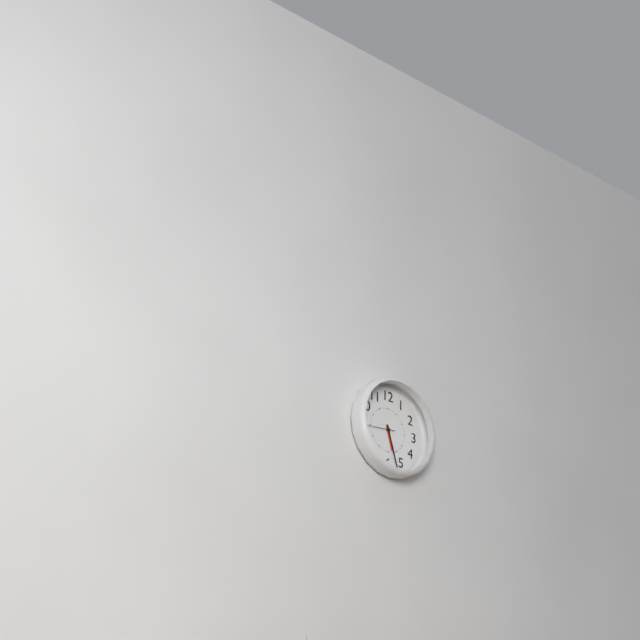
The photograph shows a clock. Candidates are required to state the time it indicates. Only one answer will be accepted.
5:27
